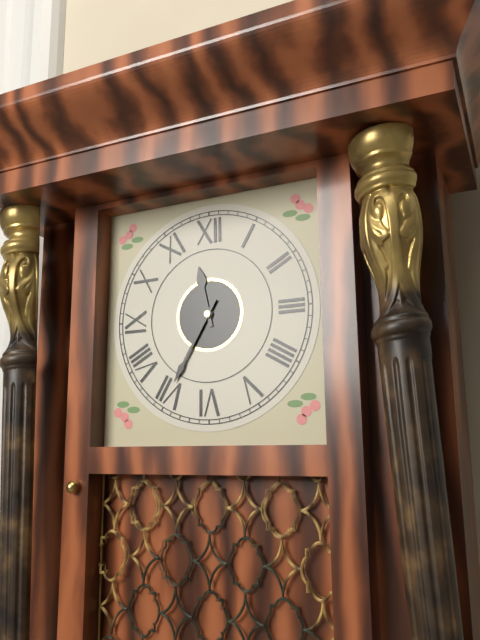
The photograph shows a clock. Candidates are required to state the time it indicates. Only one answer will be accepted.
11:35
